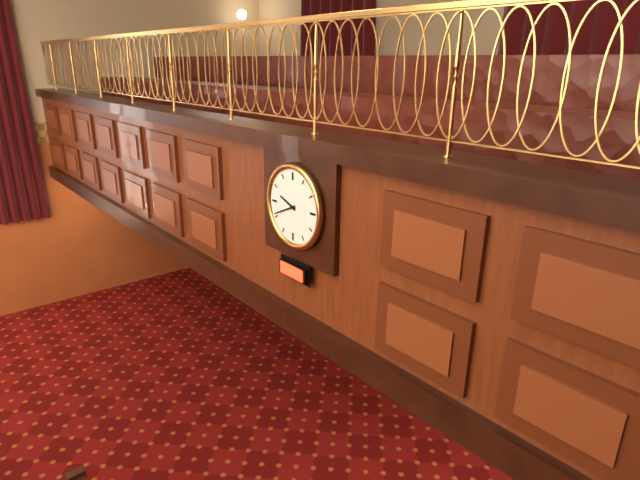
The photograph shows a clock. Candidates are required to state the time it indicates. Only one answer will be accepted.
9:41
